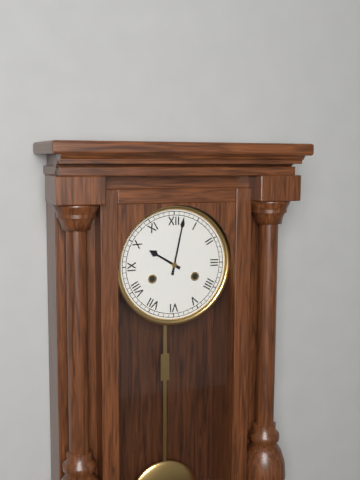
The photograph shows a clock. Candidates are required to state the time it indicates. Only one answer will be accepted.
10:02
